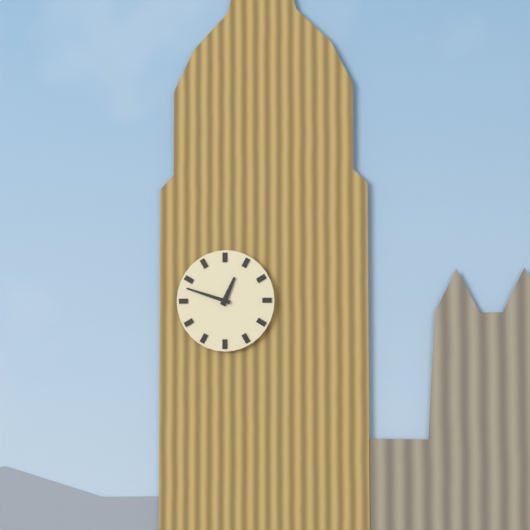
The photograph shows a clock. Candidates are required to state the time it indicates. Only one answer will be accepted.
12:48
